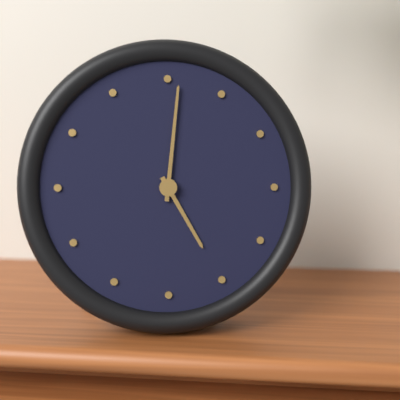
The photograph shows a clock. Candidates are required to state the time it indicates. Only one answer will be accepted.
5:01
